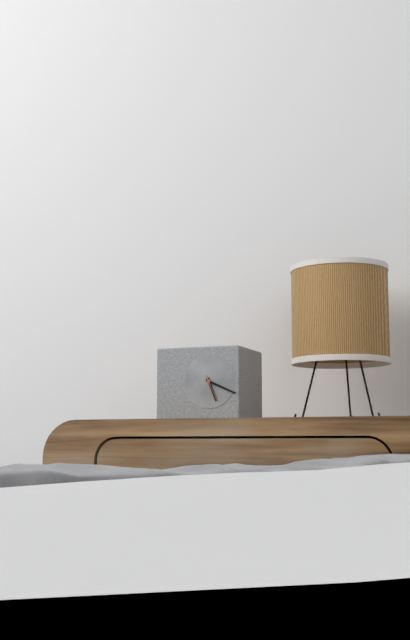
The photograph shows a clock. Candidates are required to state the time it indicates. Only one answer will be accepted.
5:19
